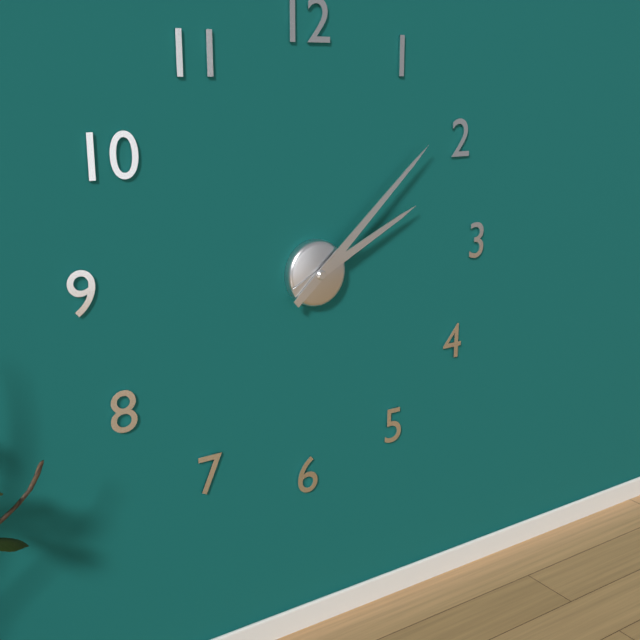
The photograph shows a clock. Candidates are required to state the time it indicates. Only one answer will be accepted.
2:08
